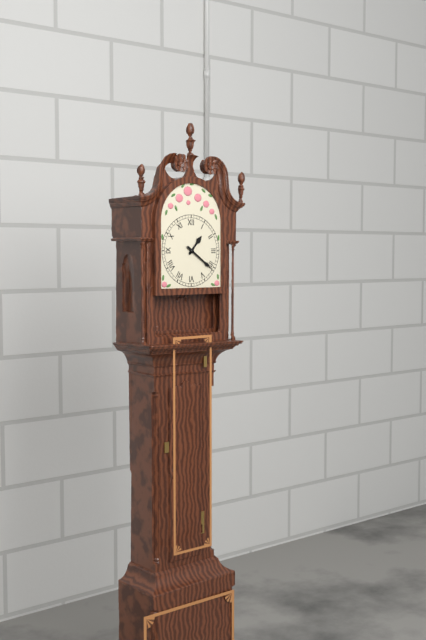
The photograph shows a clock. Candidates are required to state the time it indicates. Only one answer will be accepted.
1:21
